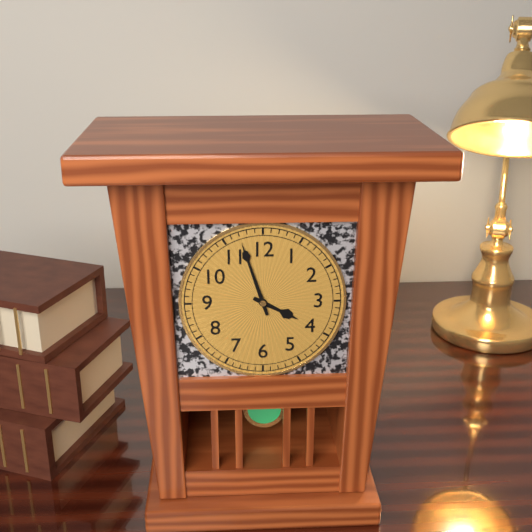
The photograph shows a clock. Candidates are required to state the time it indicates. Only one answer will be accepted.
3:57
